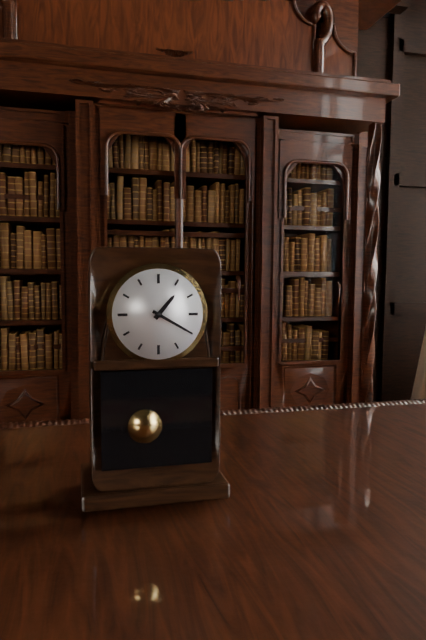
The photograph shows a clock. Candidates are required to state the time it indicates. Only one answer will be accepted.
1:20
